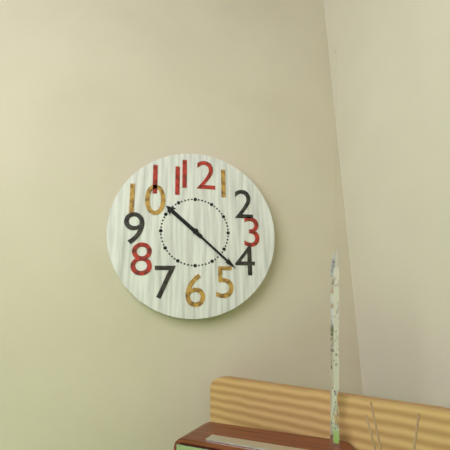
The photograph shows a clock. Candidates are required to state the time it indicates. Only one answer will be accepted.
10:22
